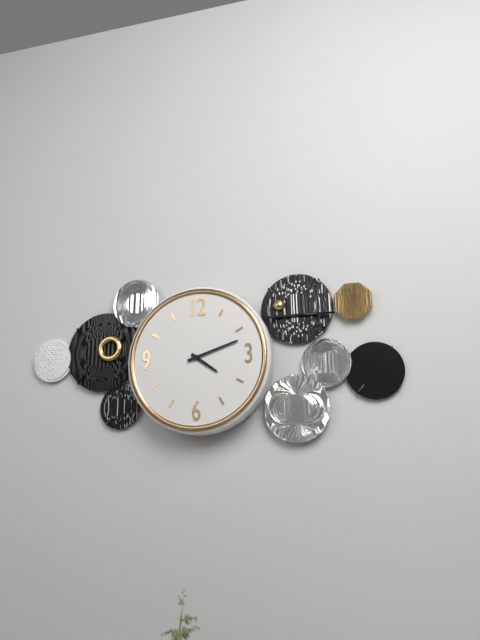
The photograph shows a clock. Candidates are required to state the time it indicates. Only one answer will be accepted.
4:12
